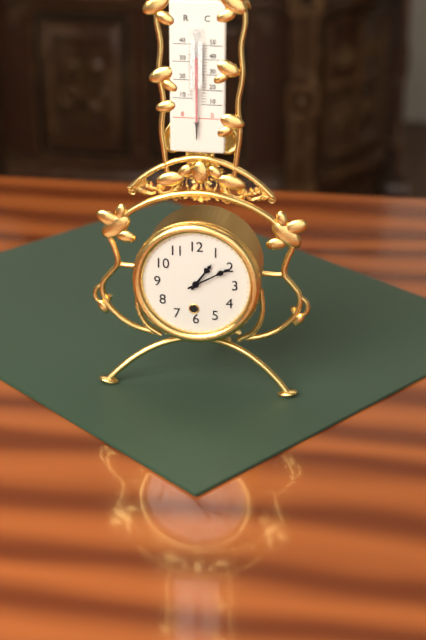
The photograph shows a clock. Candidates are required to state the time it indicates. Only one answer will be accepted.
1:10
